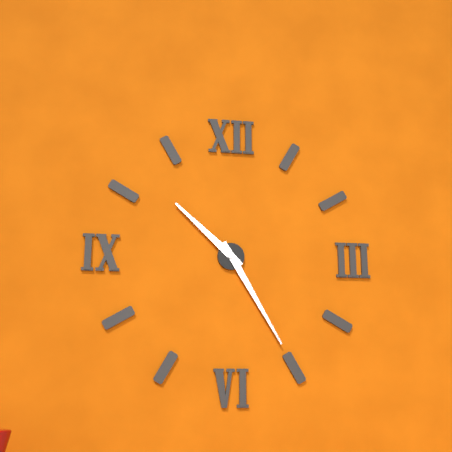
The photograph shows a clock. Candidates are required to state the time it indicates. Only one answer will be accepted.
10:25
